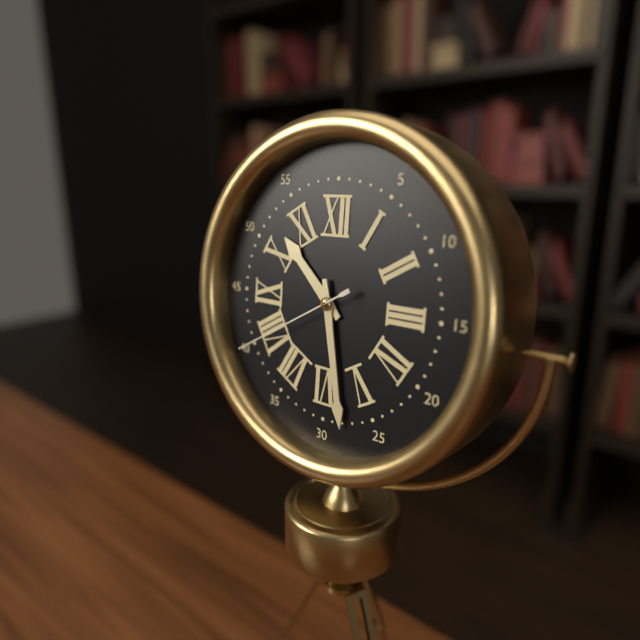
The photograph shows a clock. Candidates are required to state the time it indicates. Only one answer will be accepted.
10:28:40
